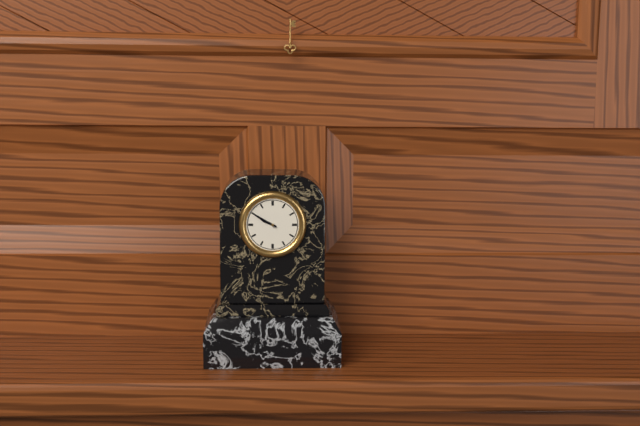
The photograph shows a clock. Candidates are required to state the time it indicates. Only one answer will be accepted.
9:50
